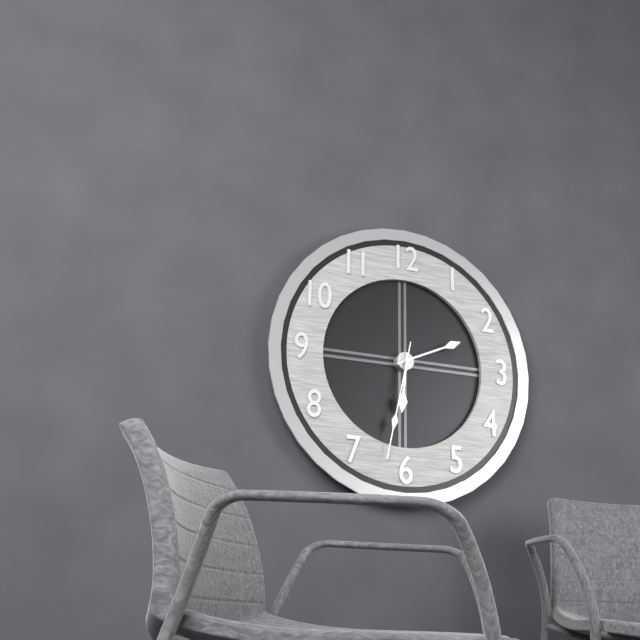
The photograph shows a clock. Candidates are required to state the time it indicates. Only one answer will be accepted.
6:11:32
